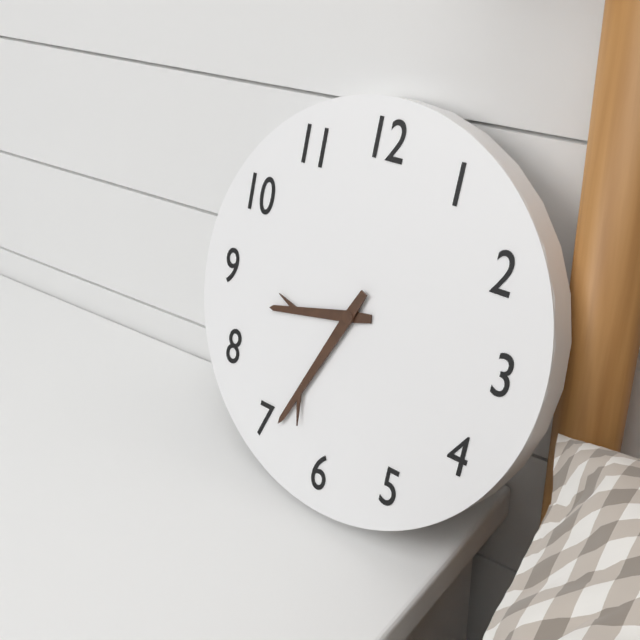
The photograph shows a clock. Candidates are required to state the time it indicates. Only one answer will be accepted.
8:34
